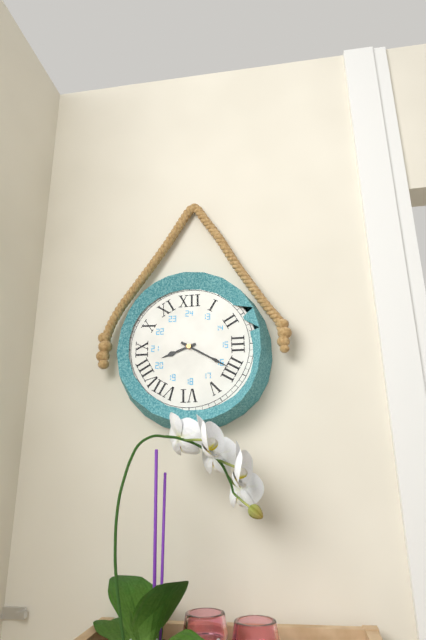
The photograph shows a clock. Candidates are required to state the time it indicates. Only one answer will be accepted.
8:20
